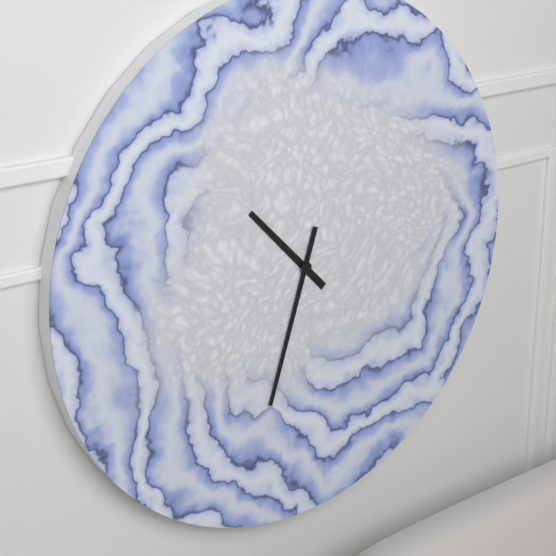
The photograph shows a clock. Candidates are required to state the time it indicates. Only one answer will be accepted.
10:33
